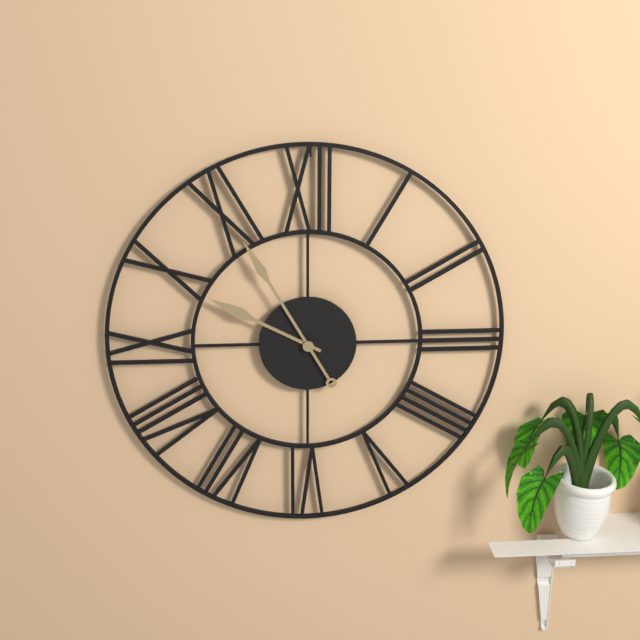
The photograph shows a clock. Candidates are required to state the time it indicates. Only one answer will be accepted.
9:55
